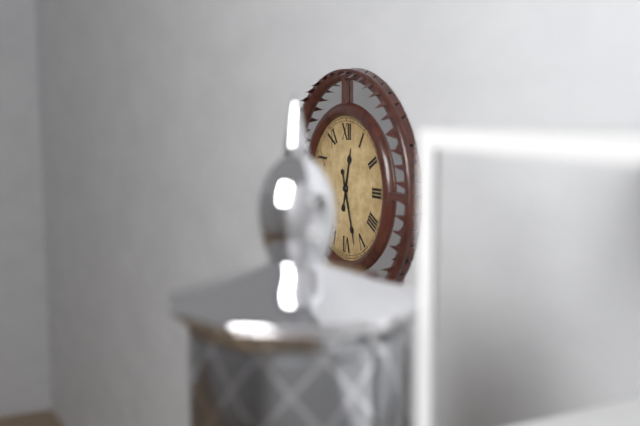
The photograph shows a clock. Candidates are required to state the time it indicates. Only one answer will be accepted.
12:27
